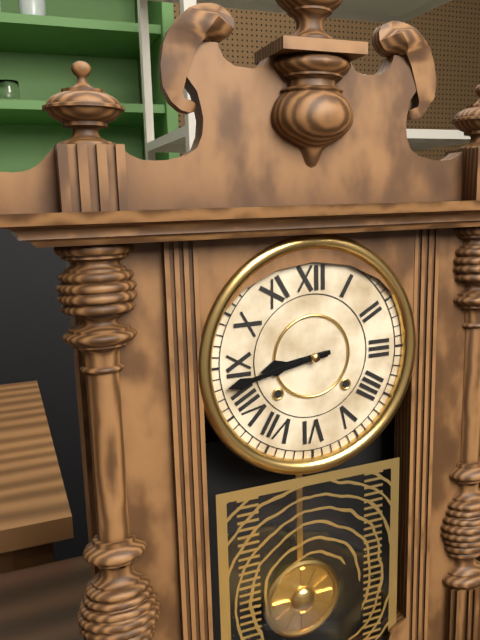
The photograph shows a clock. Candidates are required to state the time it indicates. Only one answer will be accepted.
8:43
